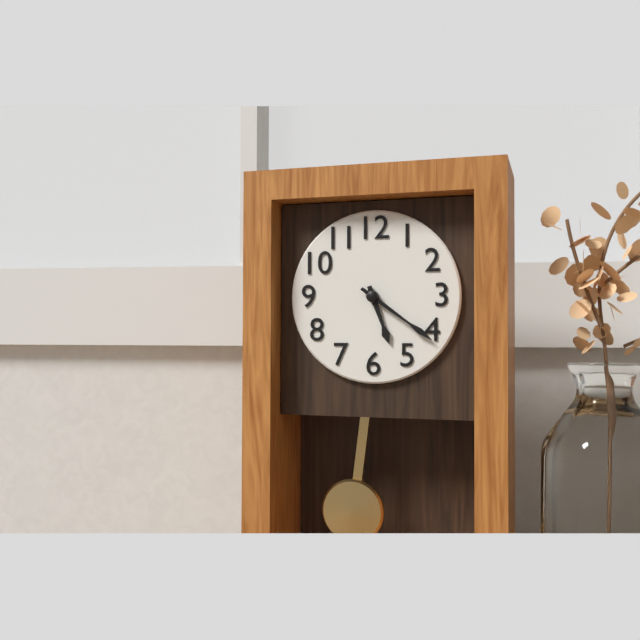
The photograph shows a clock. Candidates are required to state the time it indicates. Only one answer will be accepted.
5:21
